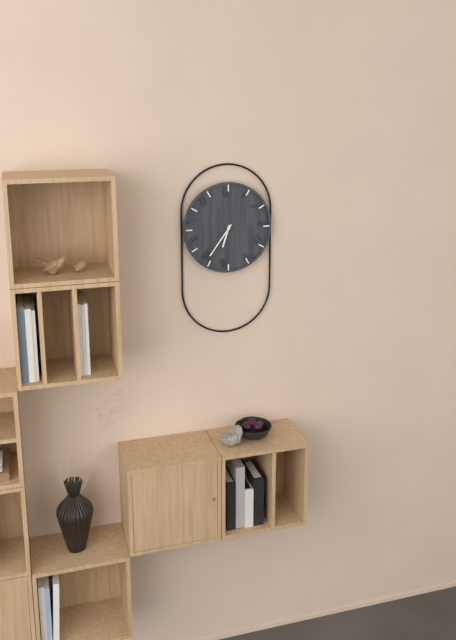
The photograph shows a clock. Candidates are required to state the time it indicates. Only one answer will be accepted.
6:36
